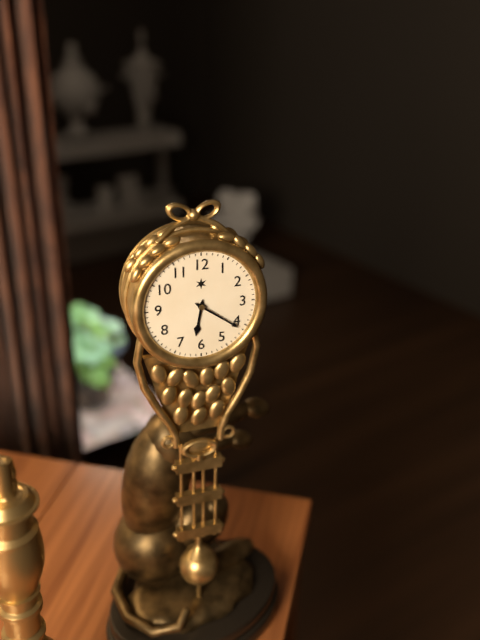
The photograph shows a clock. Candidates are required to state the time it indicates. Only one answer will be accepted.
6:21
